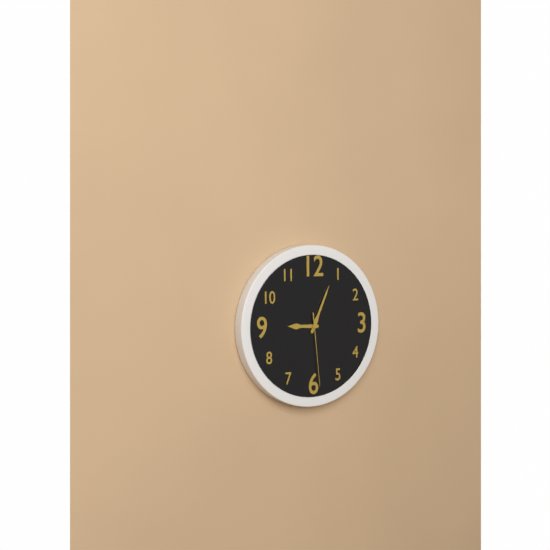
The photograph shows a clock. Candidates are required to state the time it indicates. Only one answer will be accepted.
9:04:29
